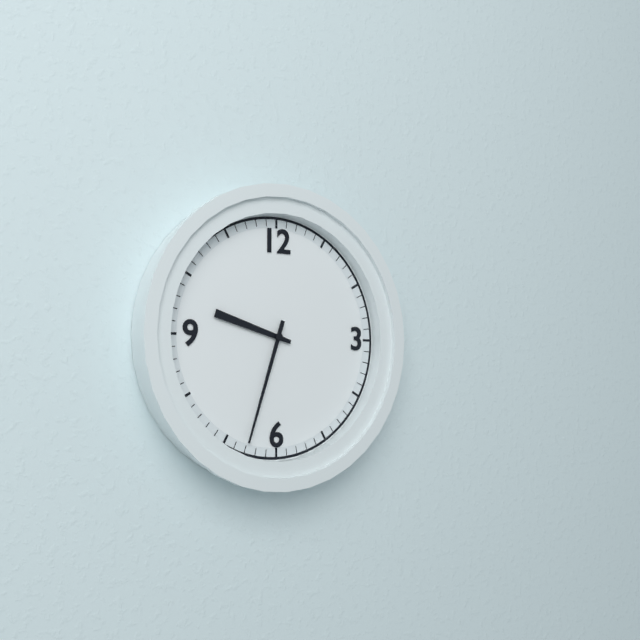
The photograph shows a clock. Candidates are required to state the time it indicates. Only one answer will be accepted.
9:33
